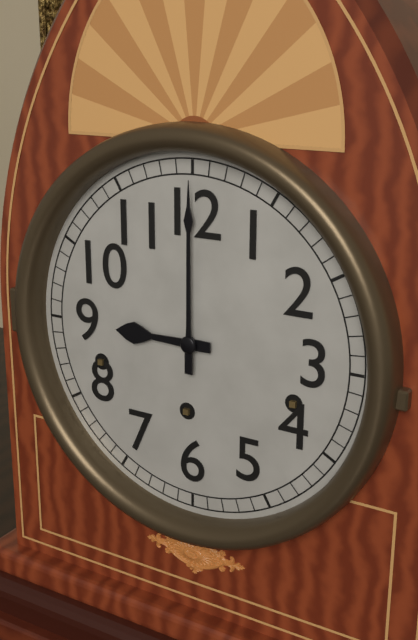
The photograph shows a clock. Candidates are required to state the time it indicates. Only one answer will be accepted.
9:00
